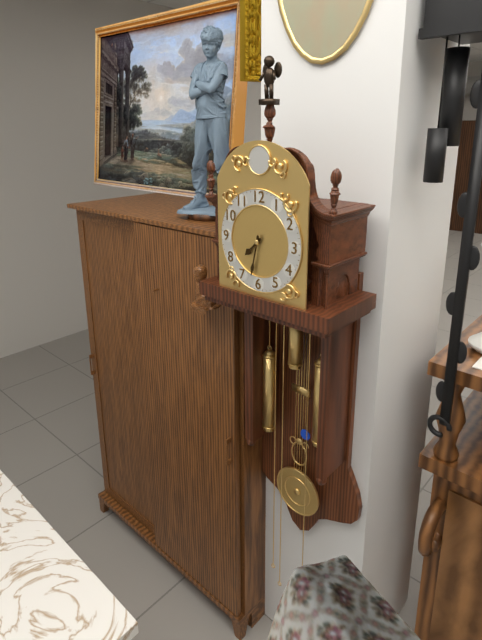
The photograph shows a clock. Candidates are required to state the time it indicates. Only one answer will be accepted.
7:32
